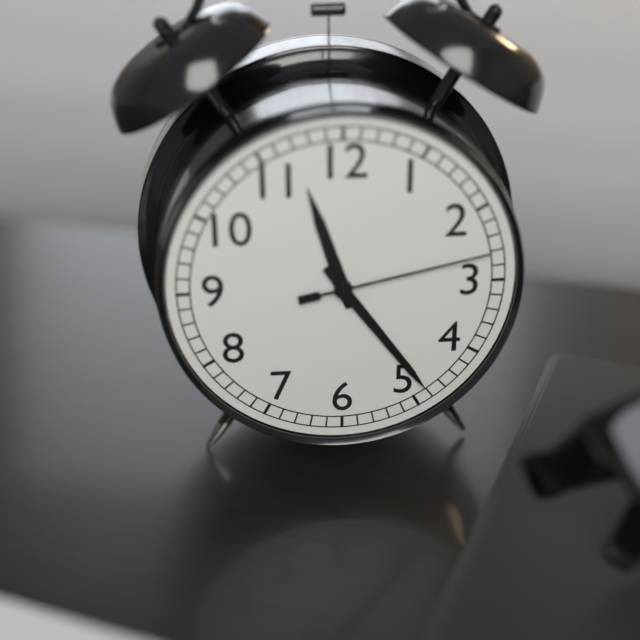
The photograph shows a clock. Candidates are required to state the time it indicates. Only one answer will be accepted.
11:24:13
